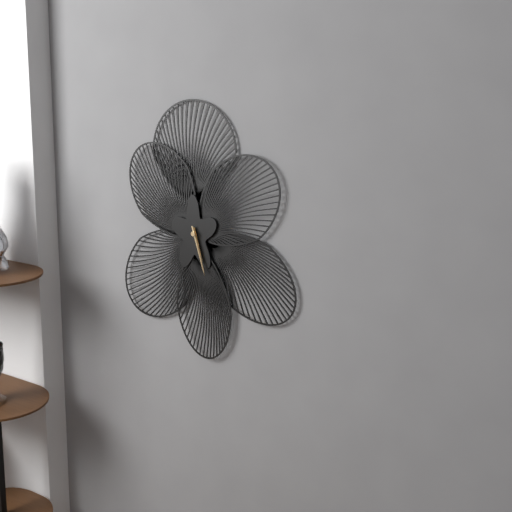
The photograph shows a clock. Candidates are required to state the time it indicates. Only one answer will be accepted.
5:27
